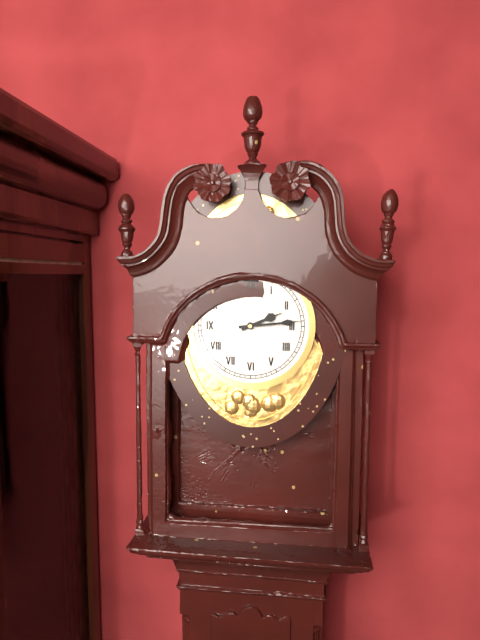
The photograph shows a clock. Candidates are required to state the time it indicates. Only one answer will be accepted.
2:14
